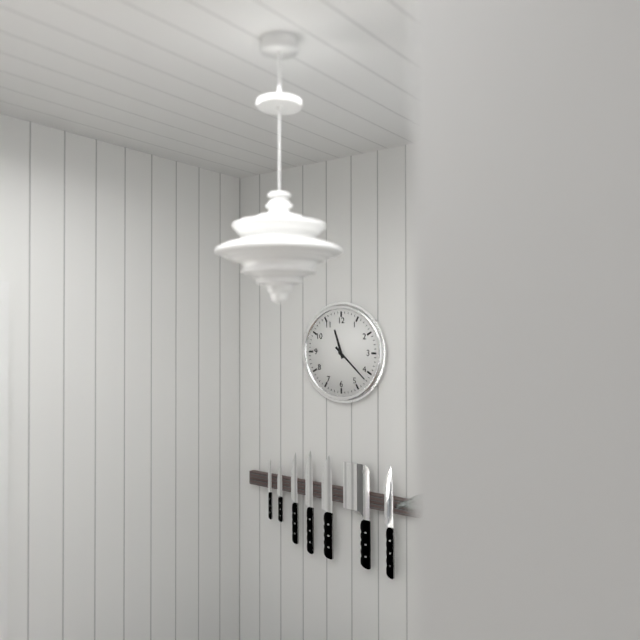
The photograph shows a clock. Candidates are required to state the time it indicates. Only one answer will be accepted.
11:22
